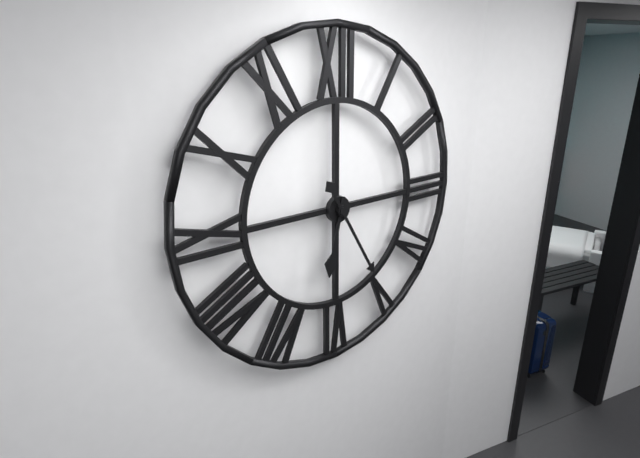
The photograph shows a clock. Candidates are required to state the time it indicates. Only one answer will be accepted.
6:25
